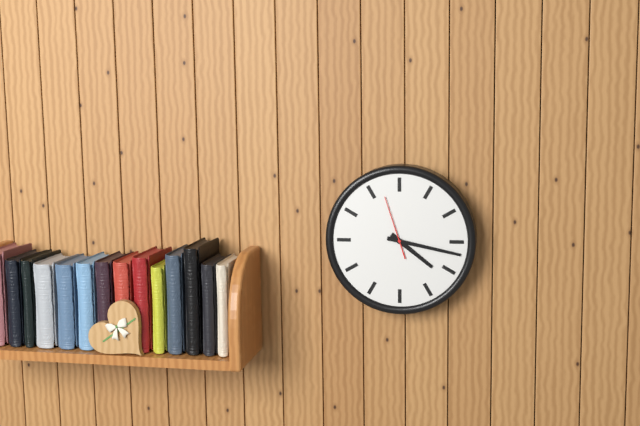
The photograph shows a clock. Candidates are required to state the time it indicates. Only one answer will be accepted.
4:17:57
